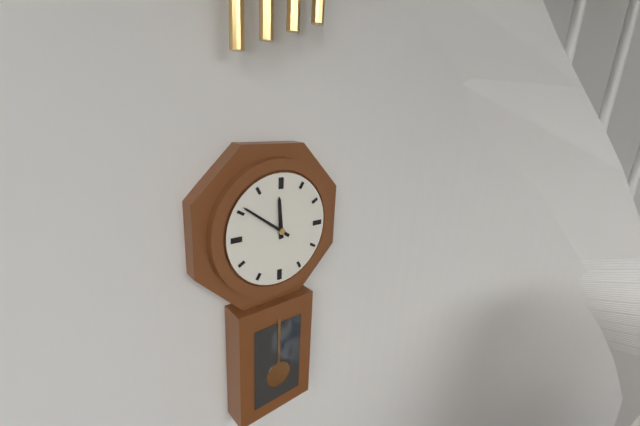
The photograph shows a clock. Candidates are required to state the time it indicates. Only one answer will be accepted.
11:51
